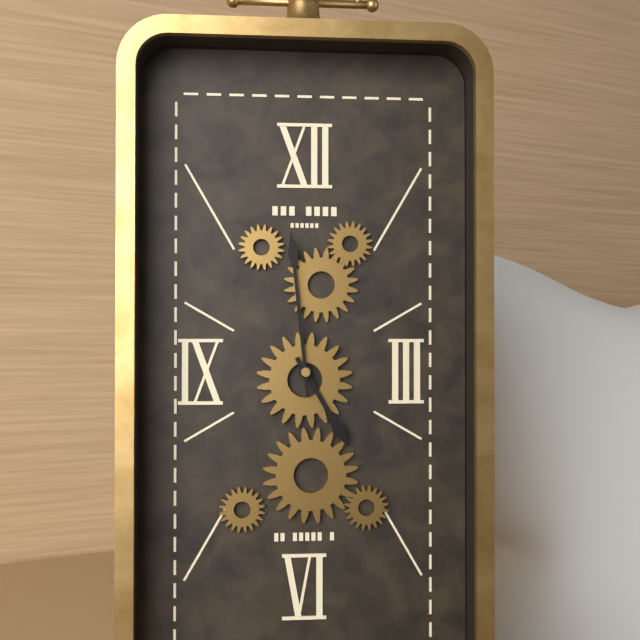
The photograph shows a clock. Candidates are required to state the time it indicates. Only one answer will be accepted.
4:59
